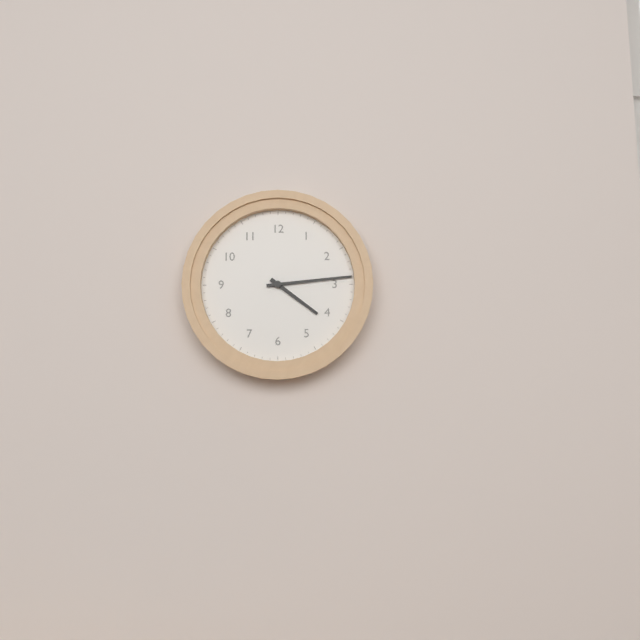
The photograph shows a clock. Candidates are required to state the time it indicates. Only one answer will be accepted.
4:14
